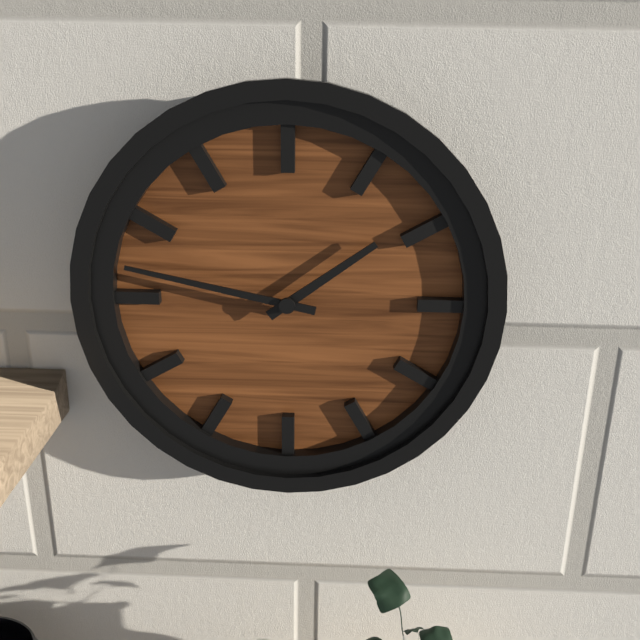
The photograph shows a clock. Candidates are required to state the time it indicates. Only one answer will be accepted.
1:47
